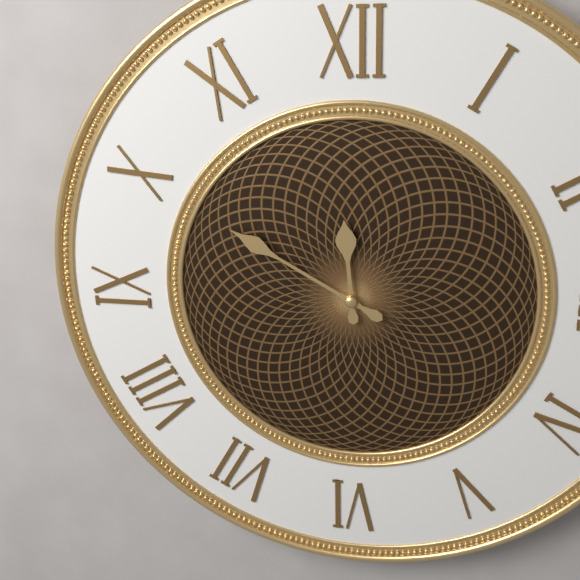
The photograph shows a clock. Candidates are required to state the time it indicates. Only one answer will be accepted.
11:50
